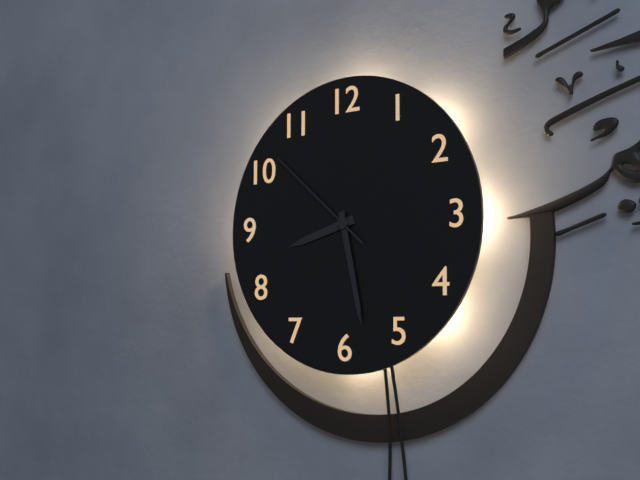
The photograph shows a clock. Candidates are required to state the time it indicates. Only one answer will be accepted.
8:28:52
